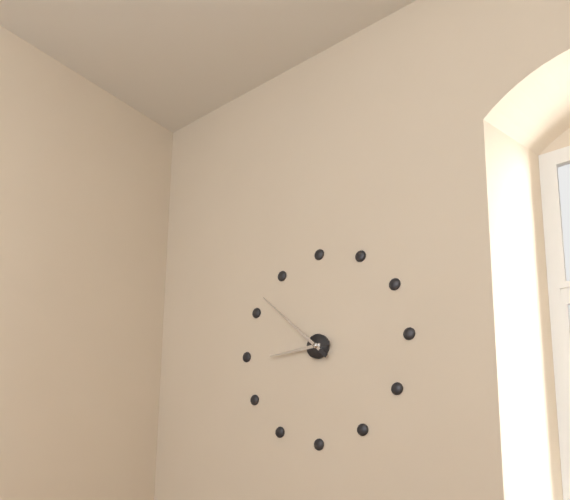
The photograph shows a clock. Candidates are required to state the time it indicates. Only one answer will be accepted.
8:52
